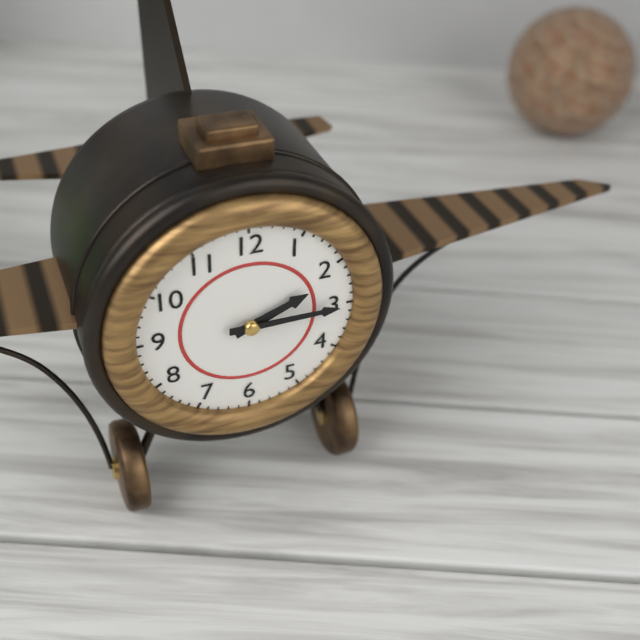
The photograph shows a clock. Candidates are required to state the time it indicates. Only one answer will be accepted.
2:15
